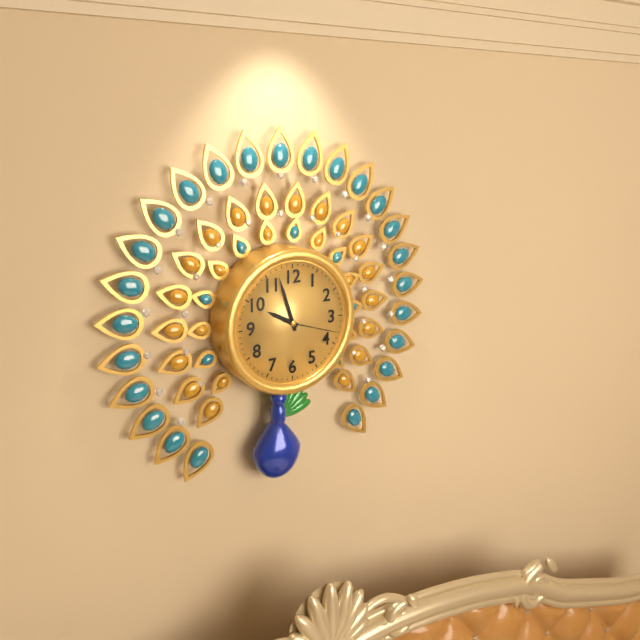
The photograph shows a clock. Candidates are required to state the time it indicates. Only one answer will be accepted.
9:57:18
